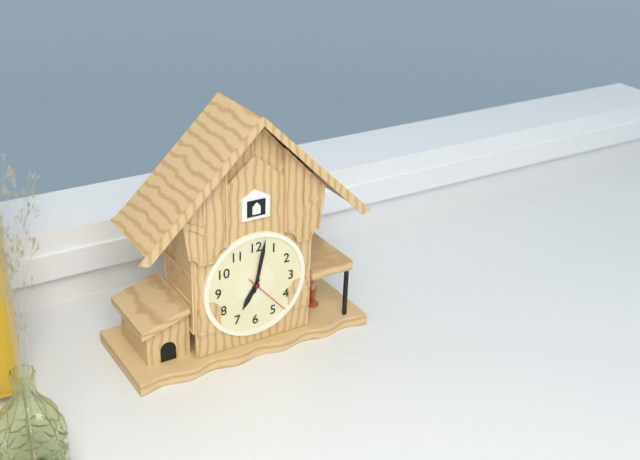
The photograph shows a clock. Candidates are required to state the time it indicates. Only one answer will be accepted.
7:02
